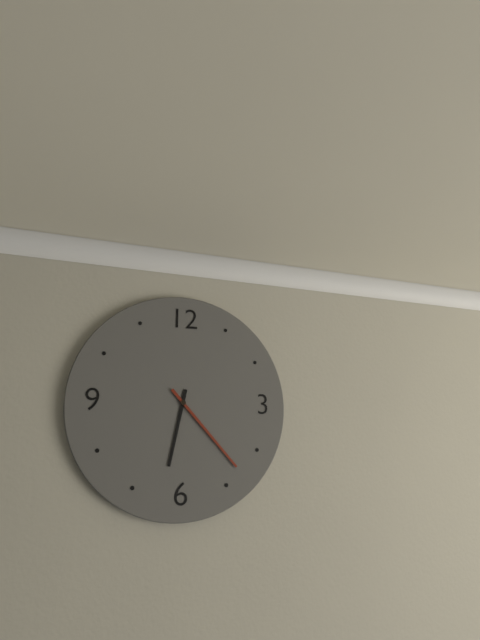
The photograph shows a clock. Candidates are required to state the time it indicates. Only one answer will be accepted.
6:23
